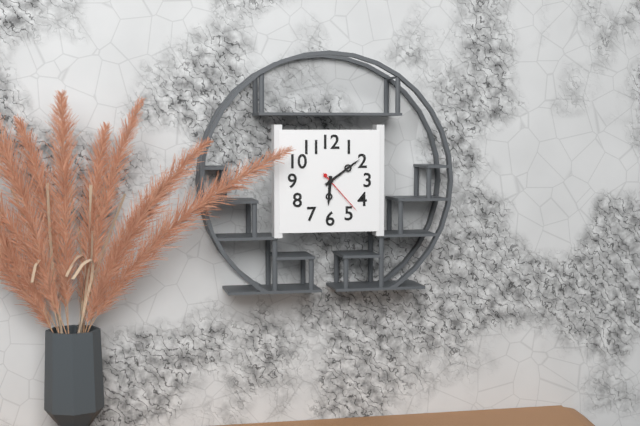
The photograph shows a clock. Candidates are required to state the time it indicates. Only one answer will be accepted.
6:09
